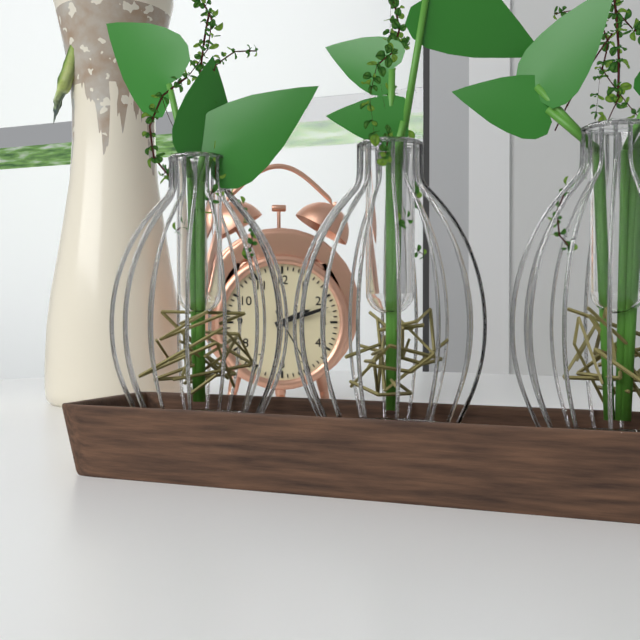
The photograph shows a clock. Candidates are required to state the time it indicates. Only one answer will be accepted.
2:12:25
